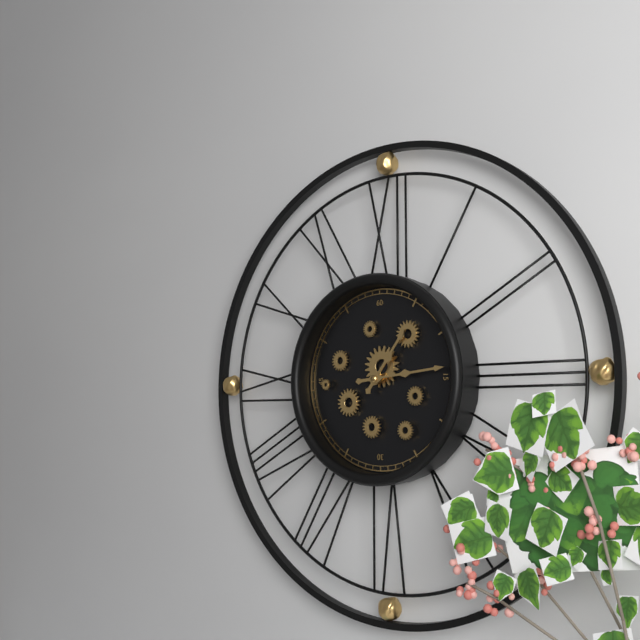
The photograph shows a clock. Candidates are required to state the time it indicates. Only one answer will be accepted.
1:14
